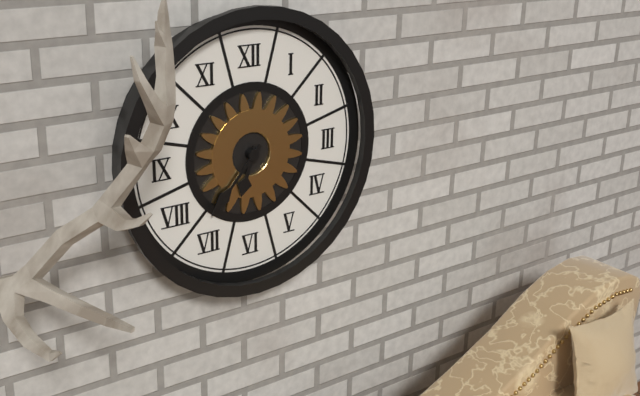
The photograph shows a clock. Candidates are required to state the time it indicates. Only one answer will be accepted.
6:37
